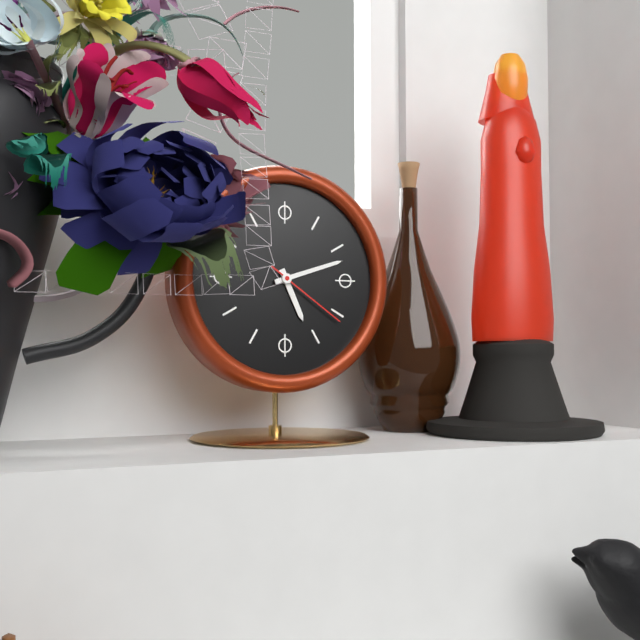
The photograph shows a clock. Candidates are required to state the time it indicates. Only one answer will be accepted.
5:12:21
